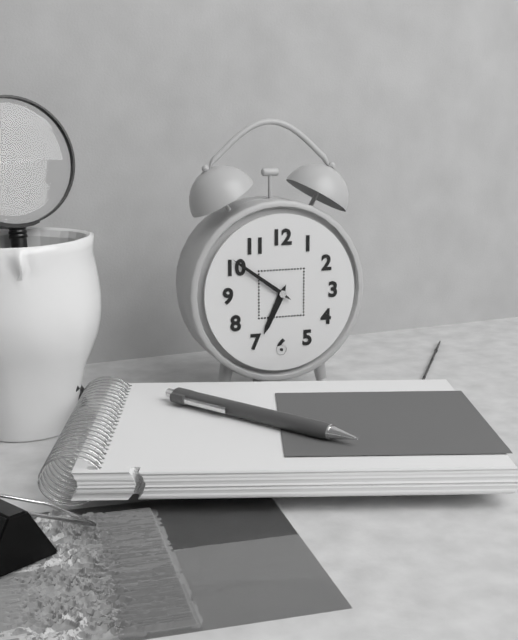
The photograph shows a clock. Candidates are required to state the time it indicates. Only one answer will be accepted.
6:51
